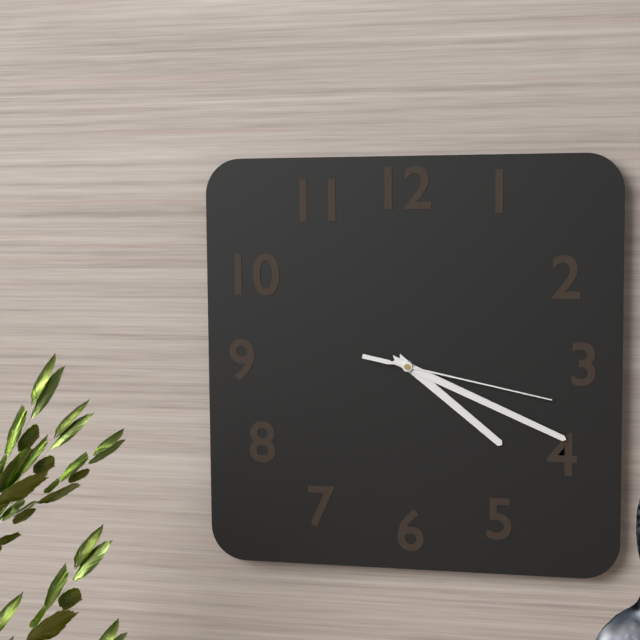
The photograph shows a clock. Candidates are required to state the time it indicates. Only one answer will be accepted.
4:19:17
